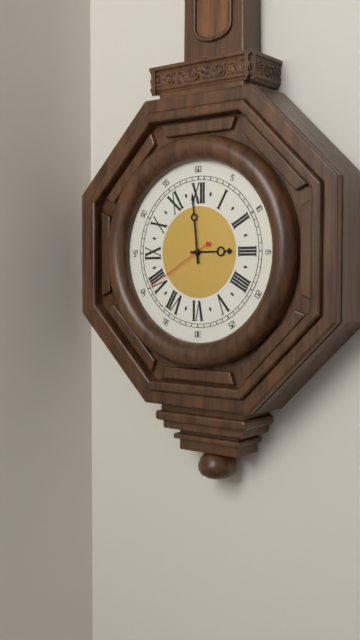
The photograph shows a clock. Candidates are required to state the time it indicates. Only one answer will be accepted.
2:59:40
